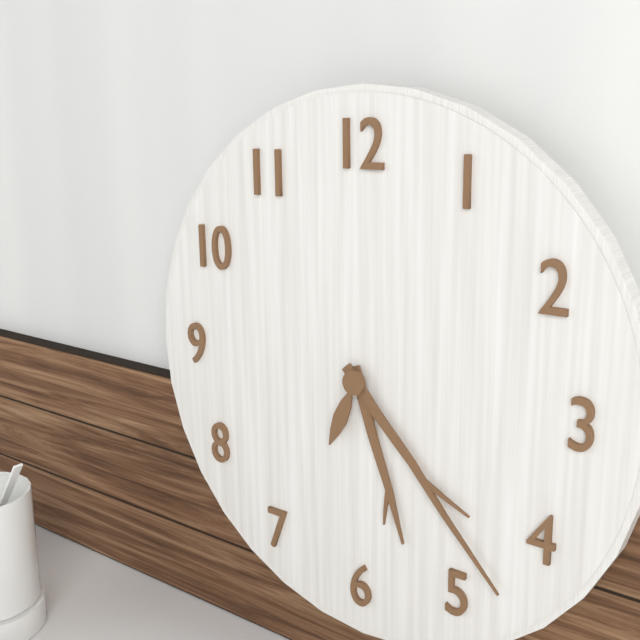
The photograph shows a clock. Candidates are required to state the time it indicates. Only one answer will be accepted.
5:23:34
